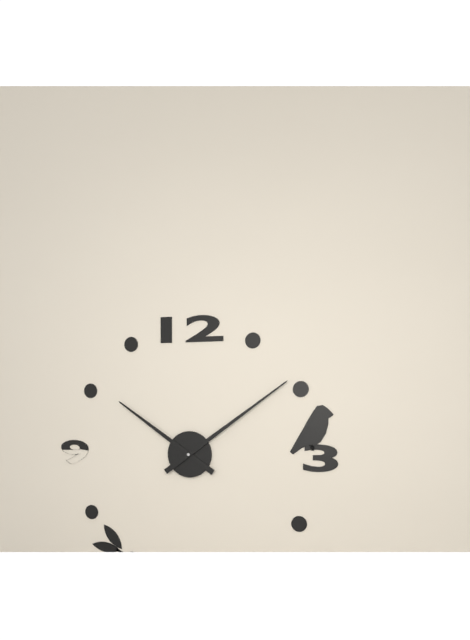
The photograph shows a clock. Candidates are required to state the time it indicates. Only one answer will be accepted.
10:09
